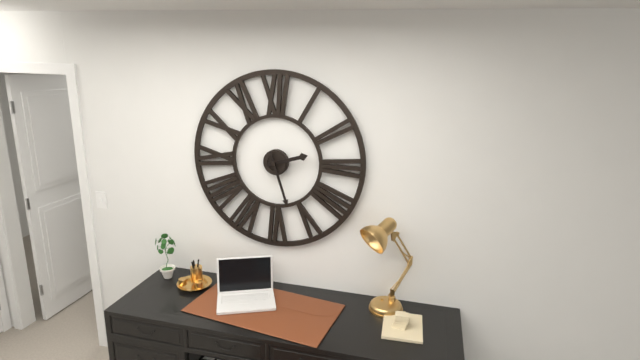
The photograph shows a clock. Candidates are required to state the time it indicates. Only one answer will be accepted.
2:27
